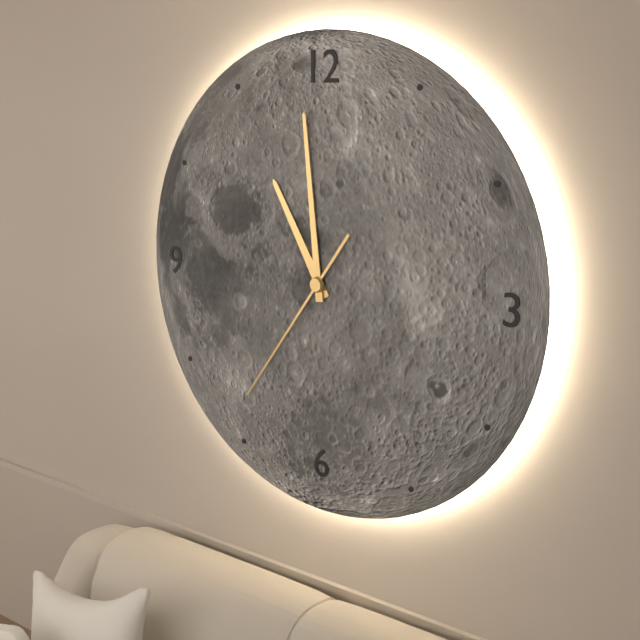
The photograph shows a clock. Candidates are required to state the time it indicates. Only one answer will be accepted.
10:59:36
